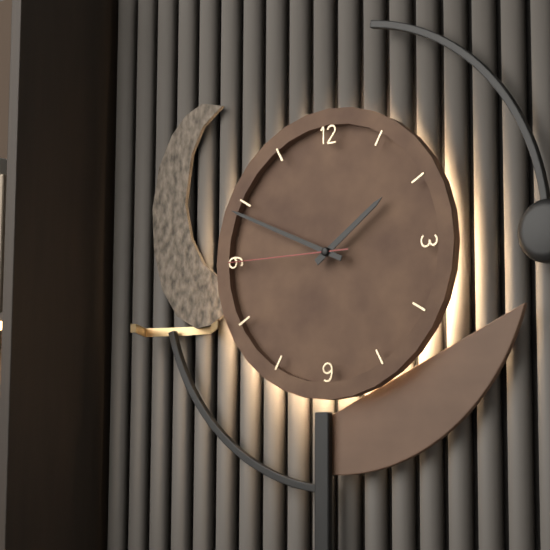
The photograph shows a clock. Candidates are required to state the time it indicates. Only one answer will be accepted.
1:49:45
